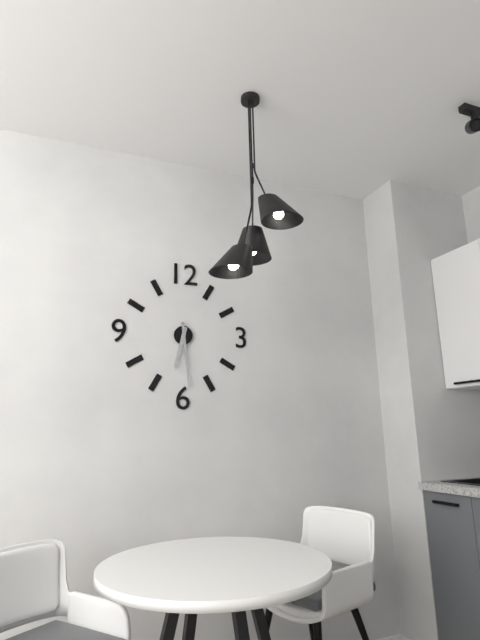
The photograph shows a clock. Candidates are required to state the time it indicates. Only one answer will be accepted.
6:29
